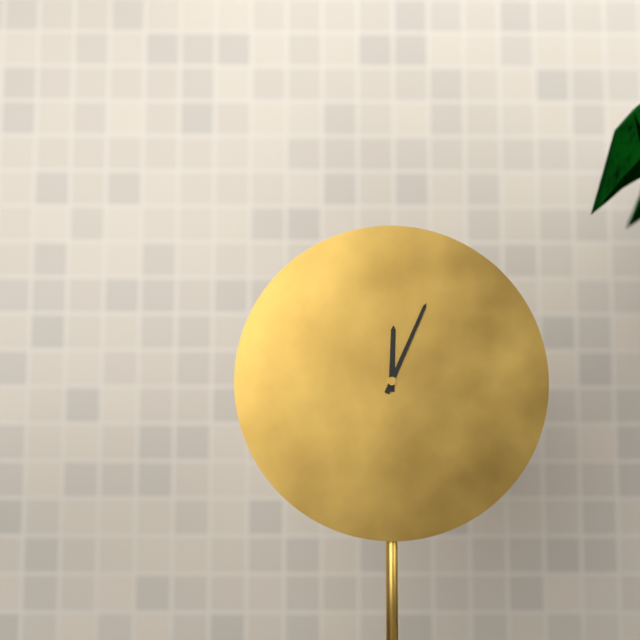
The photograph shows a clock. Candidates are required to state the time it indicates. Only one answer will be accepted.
12:04
